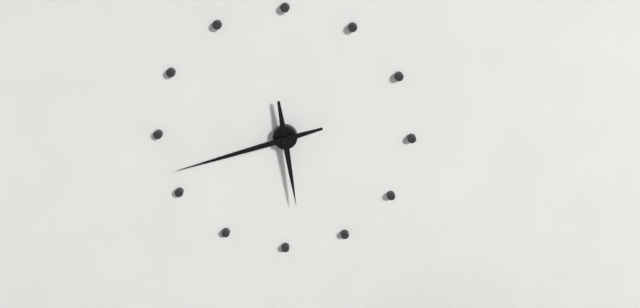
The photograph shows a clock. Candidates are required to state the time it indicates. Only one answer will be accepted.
5:42
